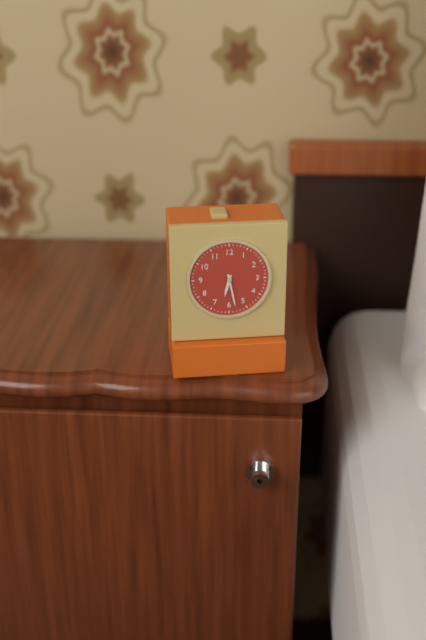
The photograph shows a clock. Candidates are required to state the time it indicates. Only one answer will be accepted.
6:28
